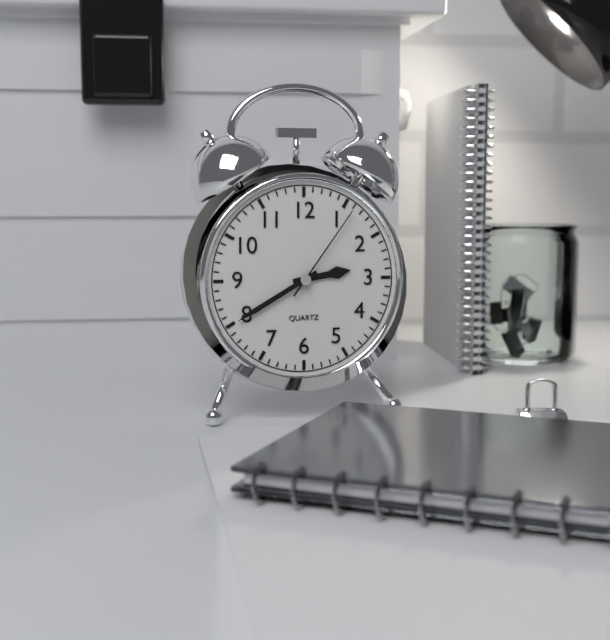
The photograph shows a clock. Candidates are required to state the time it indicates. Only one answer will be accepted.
2:40:06
